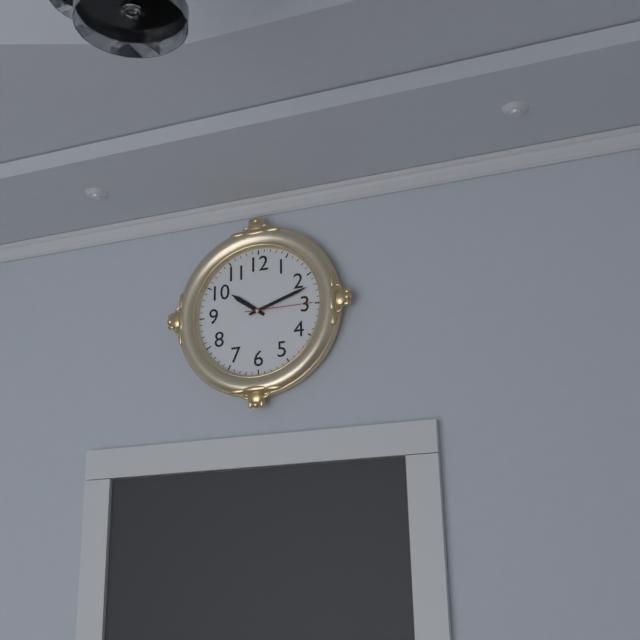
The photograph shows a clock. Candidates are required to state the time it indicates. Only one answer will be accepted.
10:12:15
